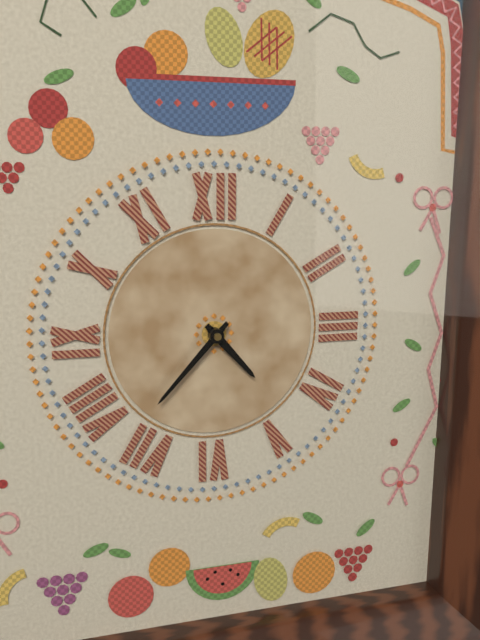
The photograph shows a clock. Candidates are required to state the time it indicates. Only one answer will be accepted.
4:37
